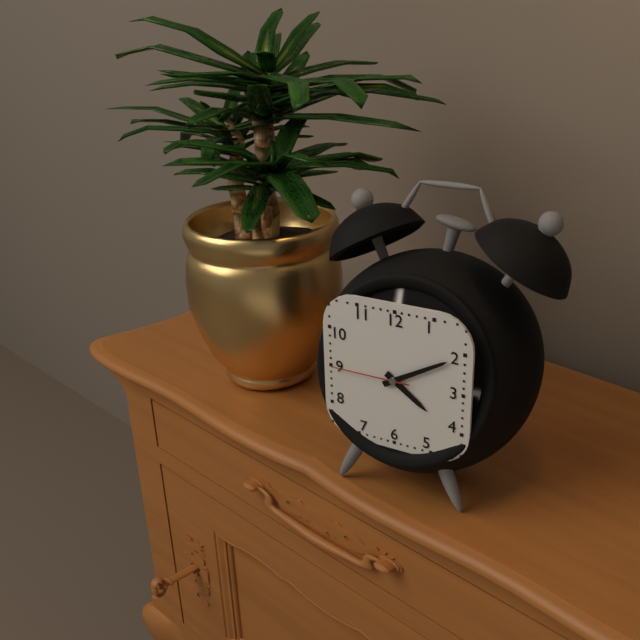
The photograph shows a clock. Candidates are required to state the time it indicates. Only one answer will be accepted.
4:10:45
